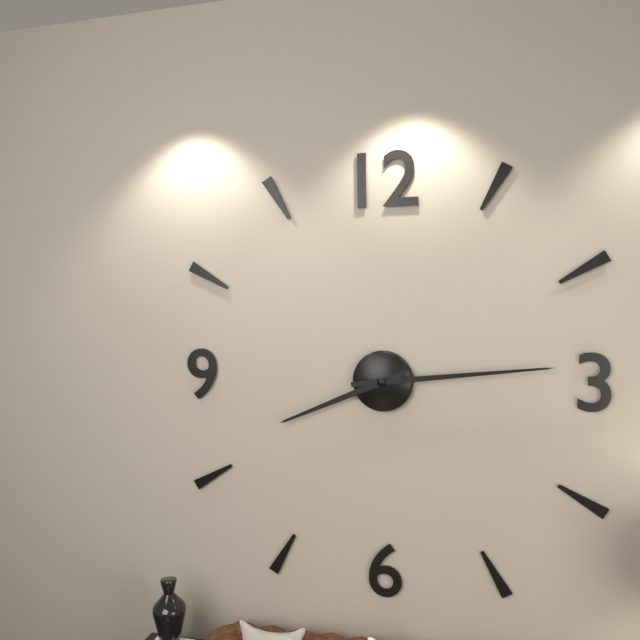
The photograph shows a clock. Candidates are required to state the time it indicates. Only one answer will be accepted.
8:14
